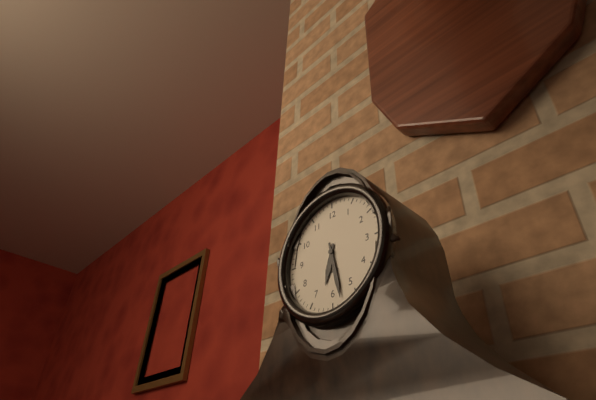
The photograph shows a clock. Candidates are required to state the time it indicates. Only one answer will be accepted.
6:28
